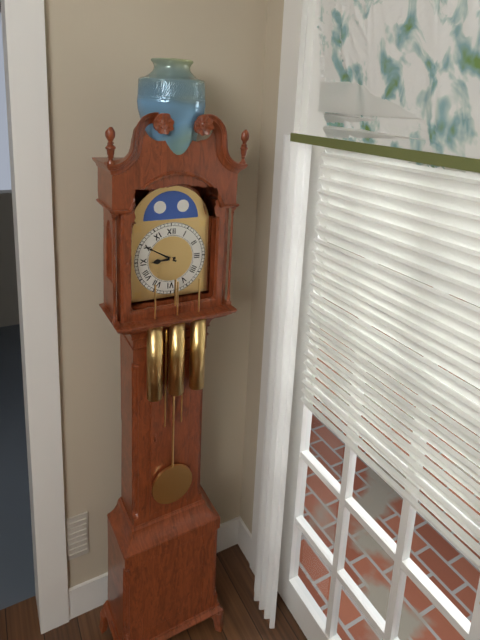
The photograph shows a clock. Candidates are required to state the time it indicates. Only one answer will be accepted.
8:50
